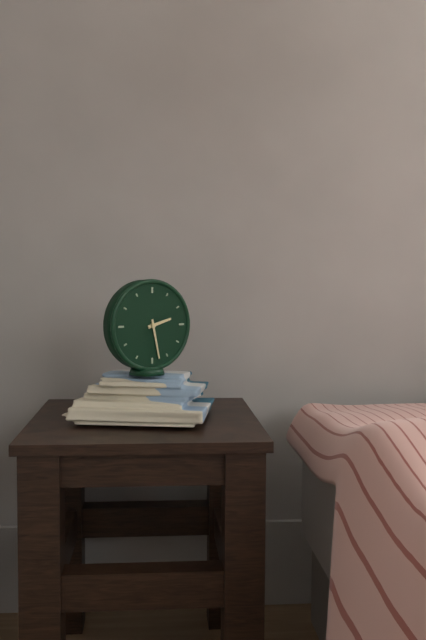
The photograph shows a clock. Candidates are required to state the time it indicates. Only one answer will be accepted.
2:28
